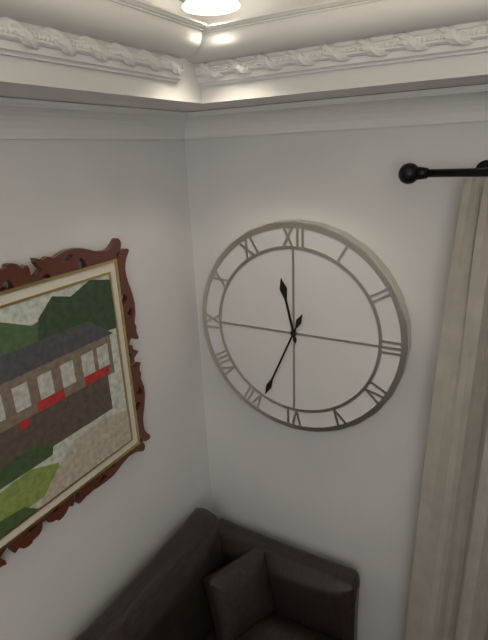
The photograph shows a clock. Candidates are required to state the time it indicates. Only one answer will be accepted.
11:34
